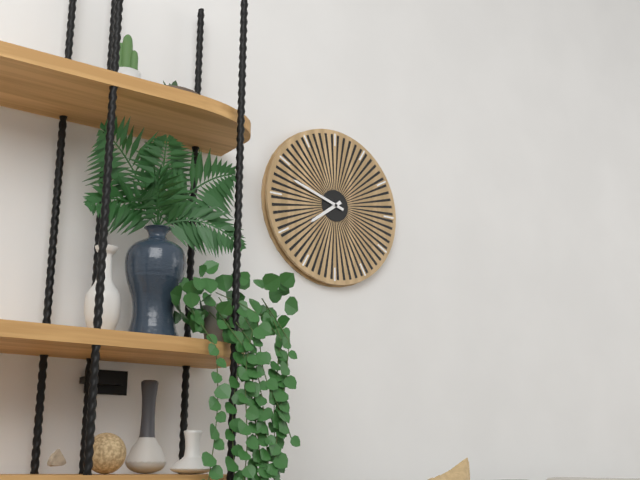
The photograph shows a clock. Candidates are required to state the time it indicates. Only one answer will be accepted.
7:48
